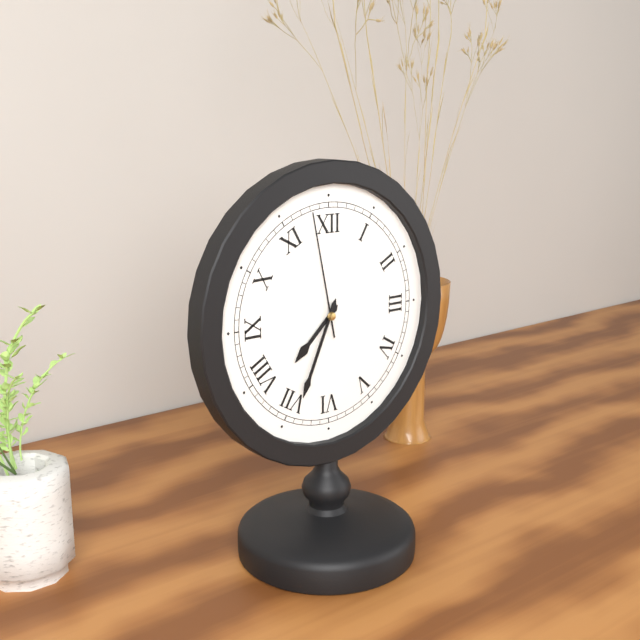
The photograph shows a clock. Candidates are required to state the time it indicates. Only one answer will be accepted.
7:34:58
